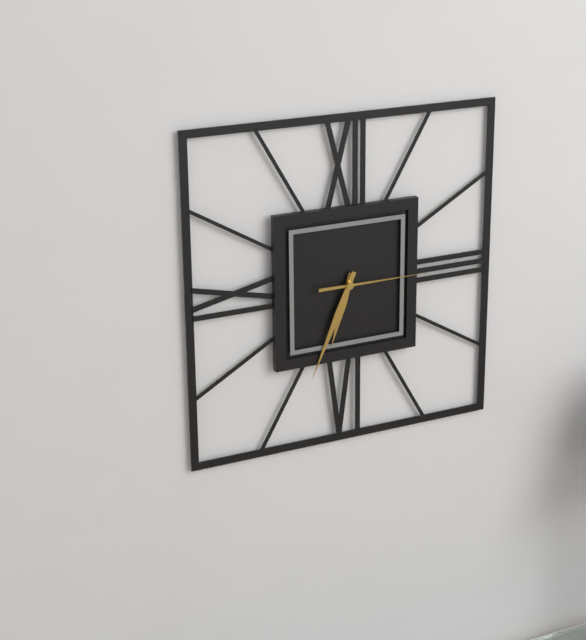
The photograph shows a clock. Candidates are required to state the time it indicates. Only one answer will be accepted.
6:34:15
